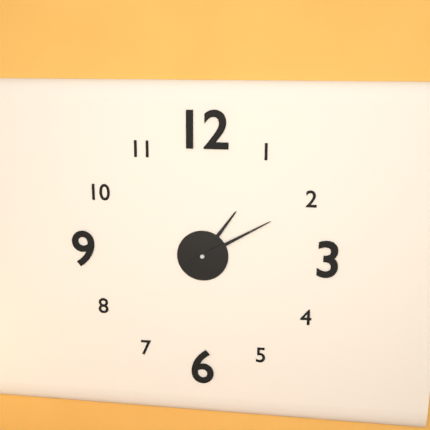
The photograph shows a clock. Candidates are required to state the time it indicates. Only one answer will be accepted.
1:10
